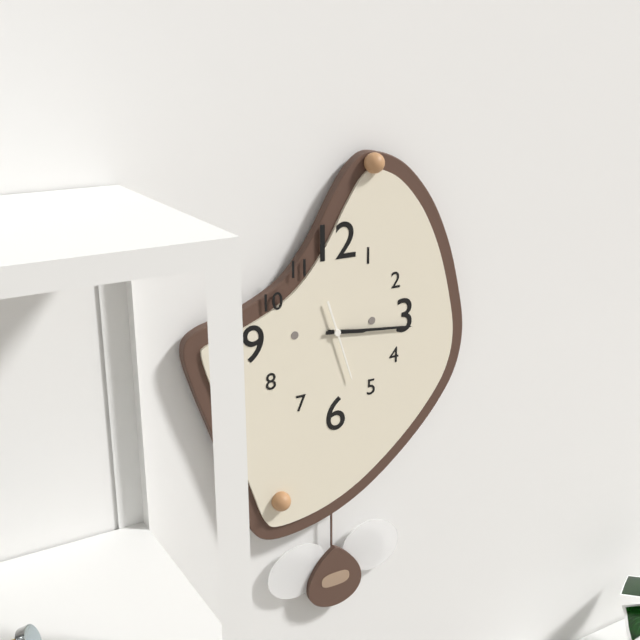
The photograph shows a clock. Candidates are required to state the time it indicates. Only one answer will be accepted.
3:16:27
